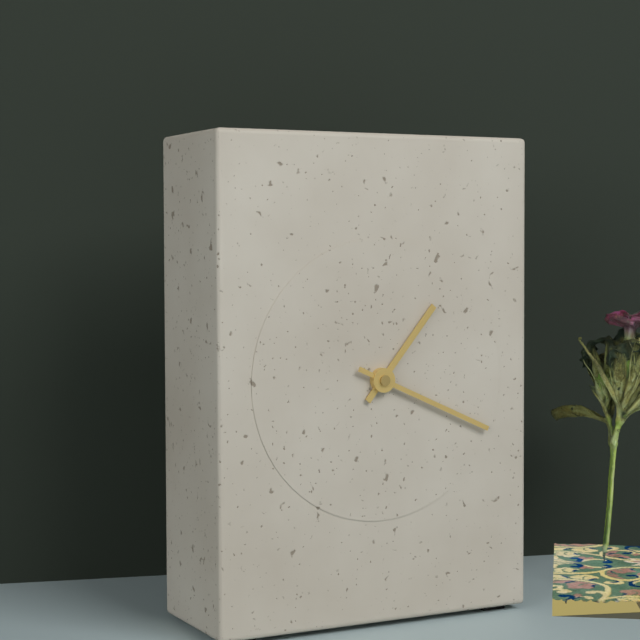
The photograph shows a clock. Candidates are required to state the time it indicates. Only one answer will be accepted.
1:19
